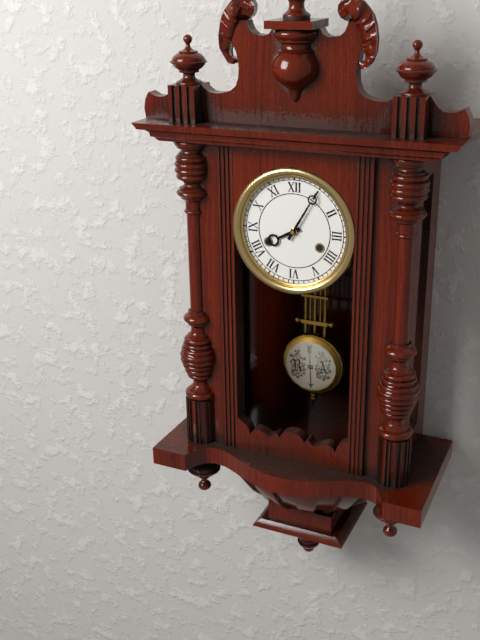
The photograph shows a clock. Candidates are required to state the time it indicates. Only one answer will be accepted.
8:05
